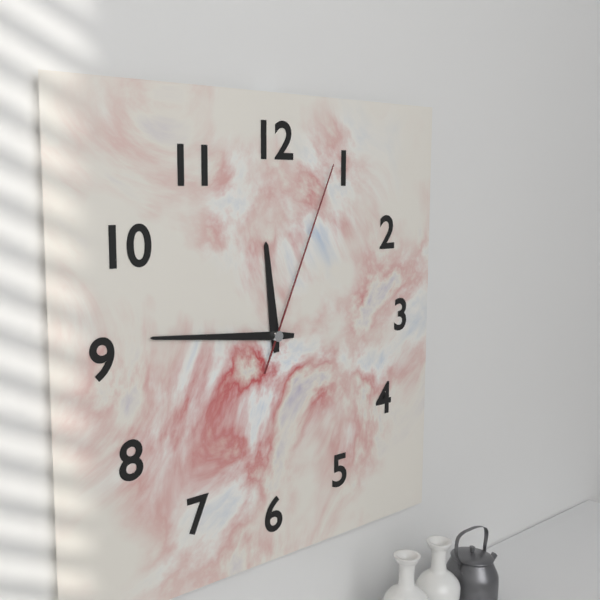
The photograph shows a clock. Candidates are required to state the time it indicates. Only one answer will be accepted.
11:46:04
